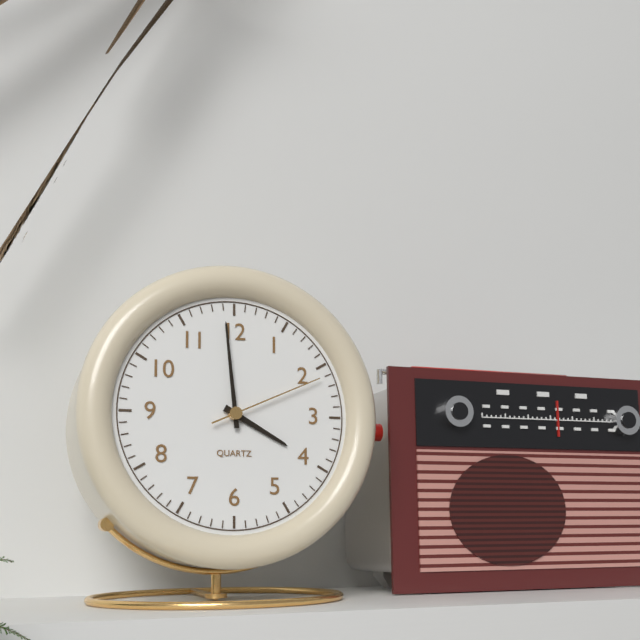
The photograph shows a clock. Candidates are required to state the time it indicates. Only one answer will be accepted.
3:59:11
